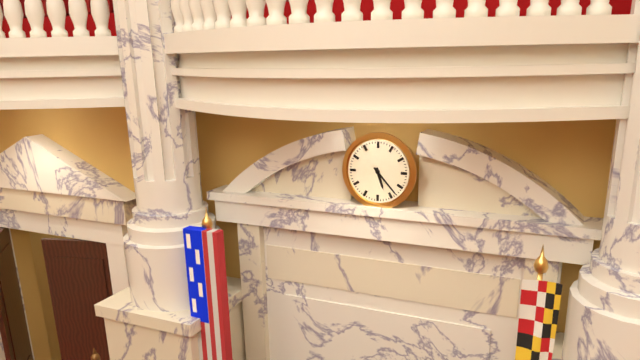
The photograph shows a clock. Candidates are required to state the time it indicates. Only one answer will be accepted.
5:23
